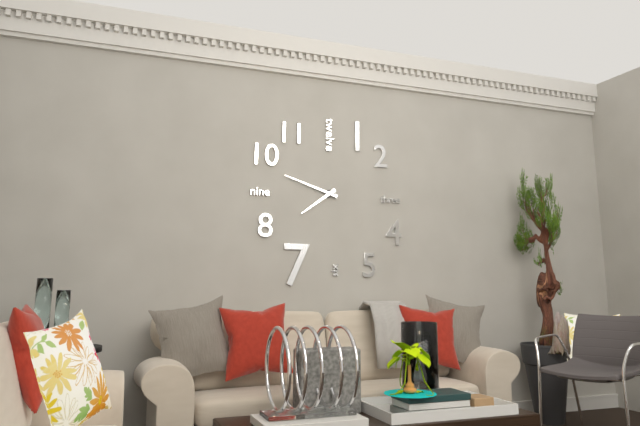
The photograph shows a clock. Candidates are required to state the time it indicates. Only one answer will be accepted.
7:48
